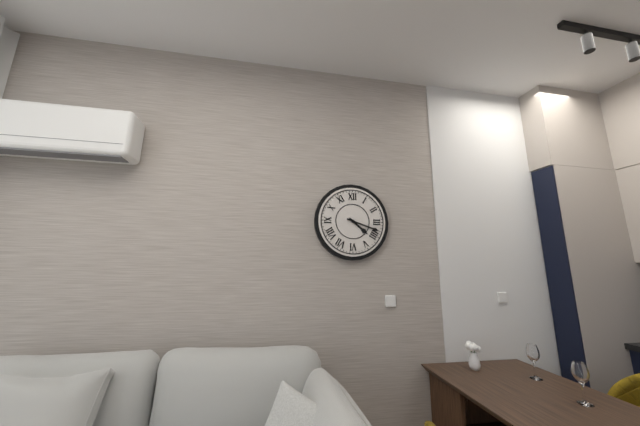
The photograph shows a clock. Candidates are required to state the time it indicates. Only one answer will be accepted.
4:18
